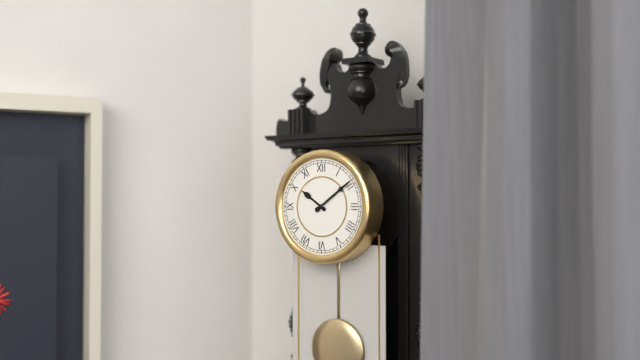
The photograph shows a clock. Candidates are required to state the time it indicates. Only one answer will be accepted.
10:09
